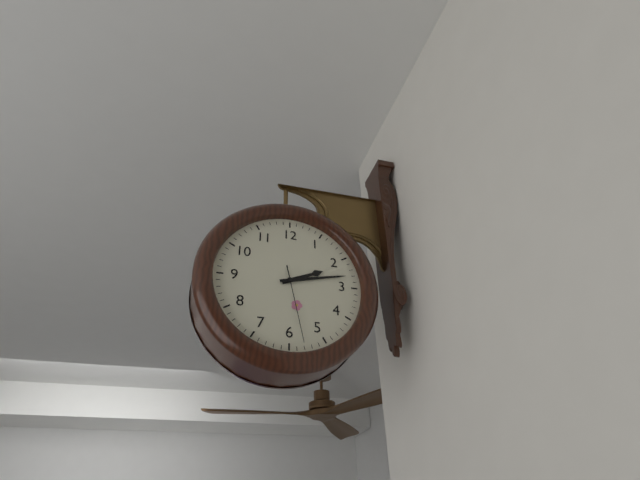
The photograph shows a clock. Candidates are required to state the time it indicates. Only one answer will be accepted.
2:13:28
